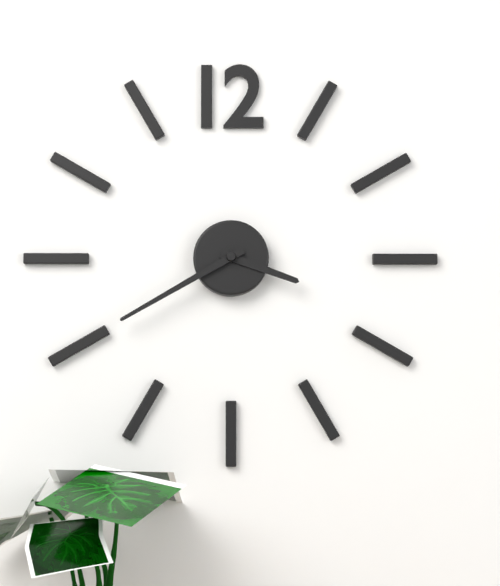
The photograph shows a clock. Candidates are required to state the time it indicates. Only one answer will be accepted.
3:40
